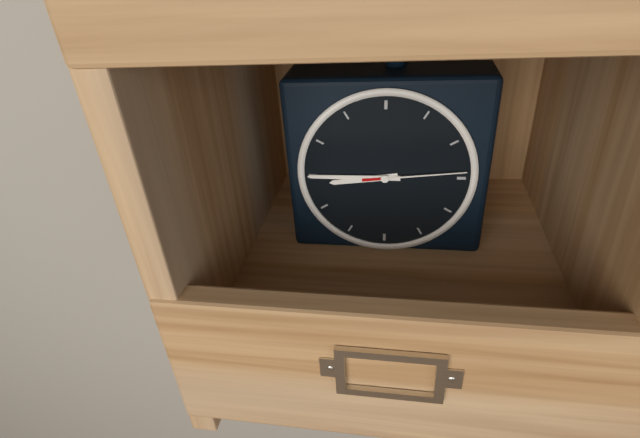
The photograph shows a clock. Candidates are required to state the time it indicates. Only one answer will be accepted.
8:45:14
